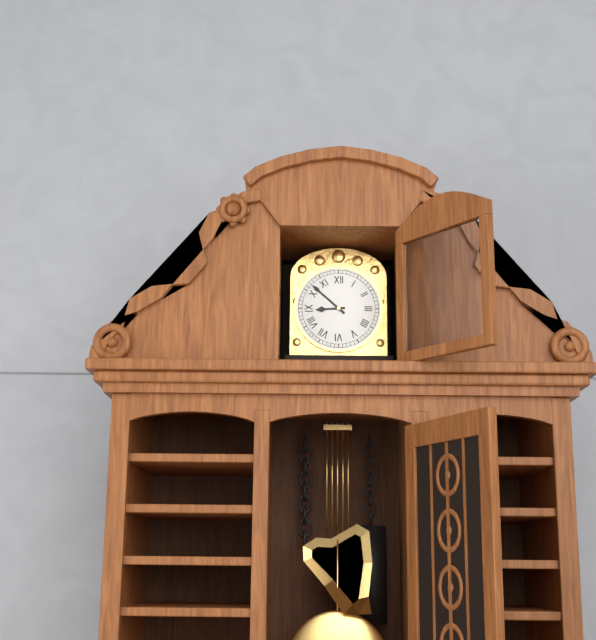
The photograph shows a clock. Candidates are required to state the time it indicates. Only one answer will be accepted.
8:52
